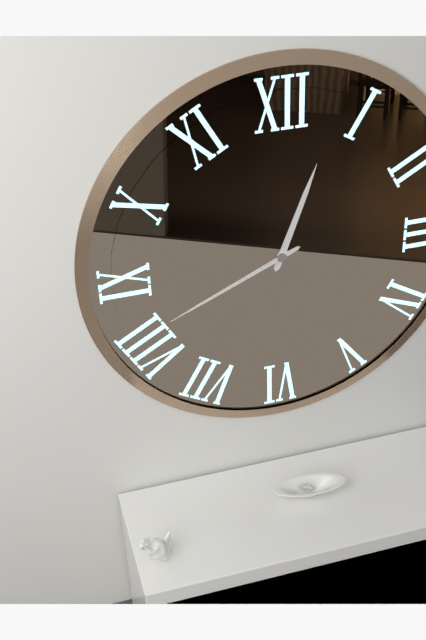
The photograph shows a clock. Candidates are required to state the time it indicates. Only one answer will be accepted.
12:41
